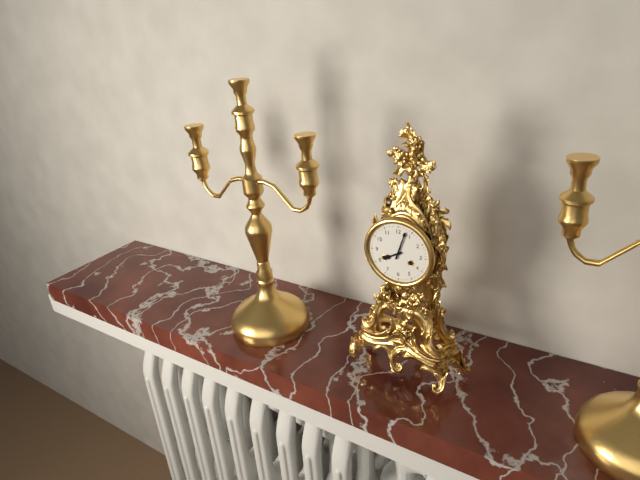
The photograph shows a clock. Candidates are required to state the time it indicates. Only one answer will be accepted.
8:03
